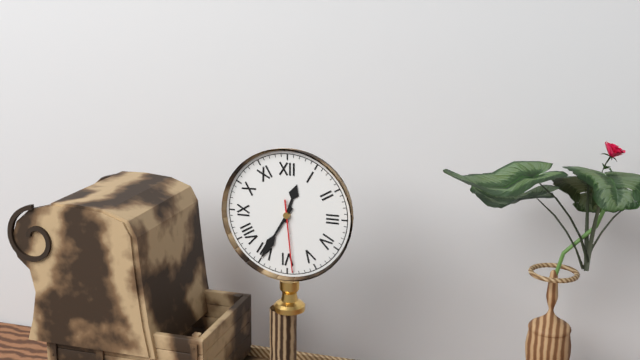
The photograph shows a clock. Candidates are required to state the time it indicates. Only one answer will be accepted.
12:35:29
